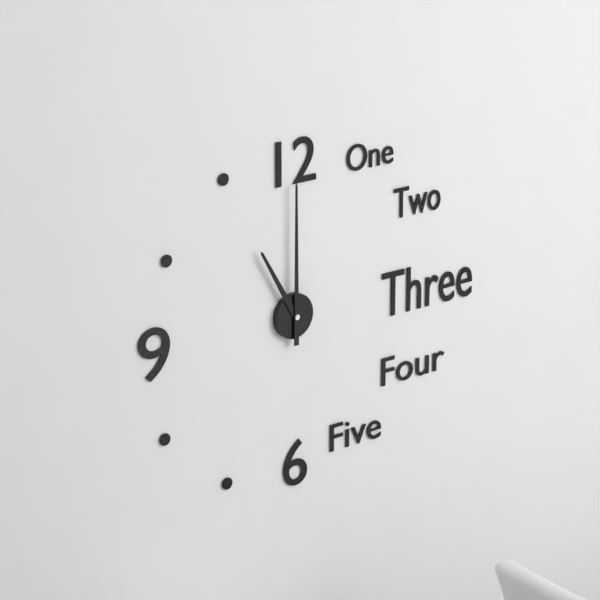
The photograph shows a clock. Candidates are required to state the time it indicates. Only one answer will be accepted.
11:00
